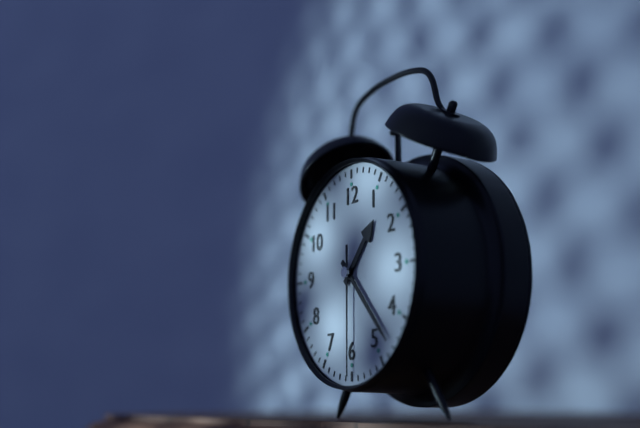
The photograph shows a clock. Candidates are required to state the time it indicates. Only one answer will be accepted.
1:23:30
